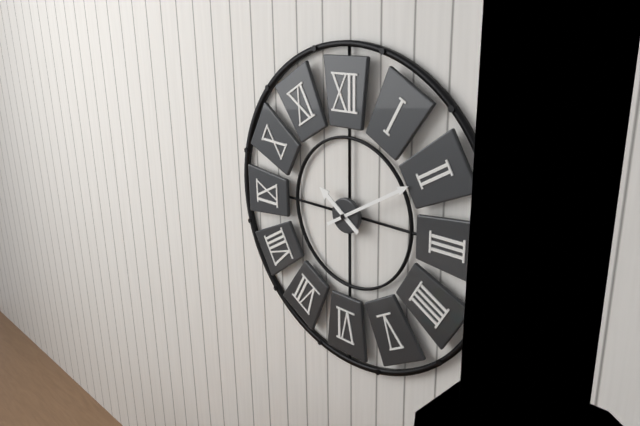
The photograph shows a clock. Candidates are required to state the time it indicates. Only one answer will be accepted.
10:10
